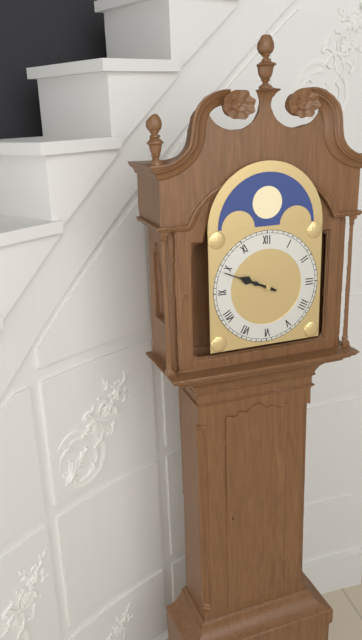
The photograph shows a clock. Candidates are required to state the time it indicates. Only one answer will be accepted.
9:49
